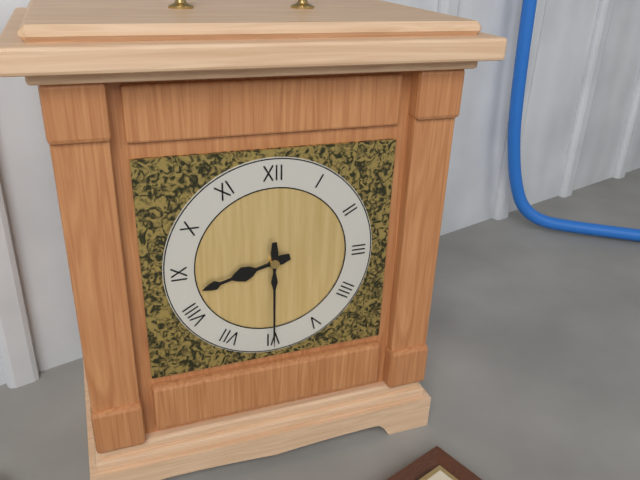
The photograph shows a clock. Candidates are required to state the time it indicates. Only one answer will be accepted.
8:30
